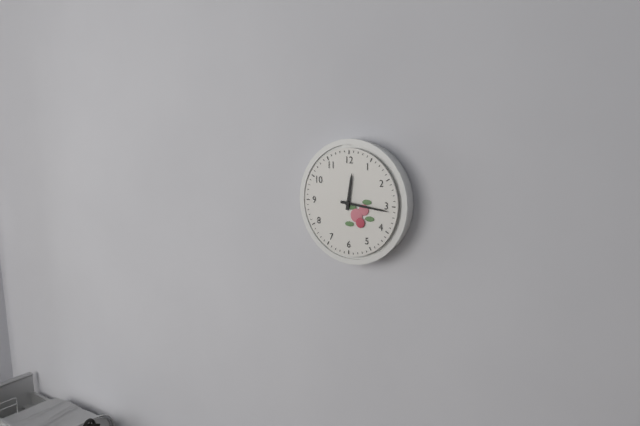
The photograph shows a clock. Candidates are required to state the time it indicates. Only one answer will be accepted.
12:16
